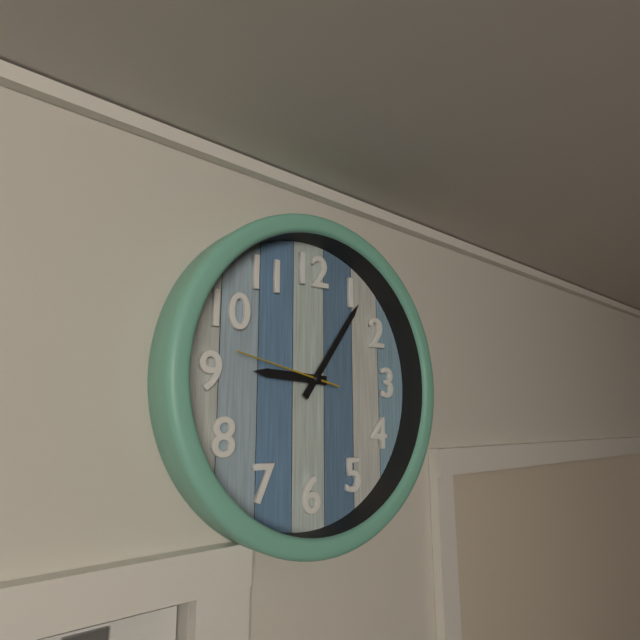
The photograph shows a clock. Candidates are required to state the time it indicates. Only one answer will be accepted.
9:06:47
